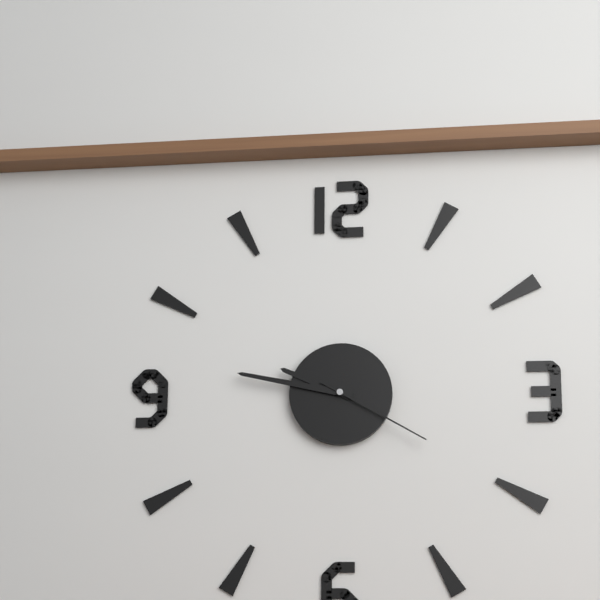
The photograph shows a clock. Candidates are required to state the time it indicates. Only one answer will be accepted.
9:47:20
